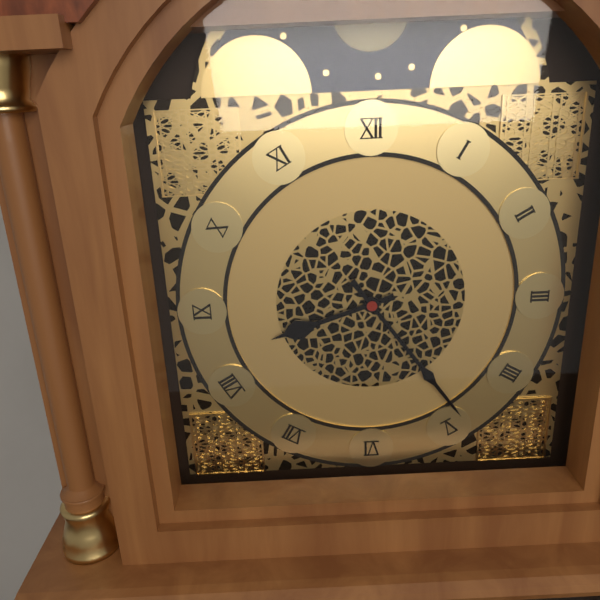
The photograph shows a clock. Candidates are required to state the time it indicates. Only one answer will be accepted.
8:24
